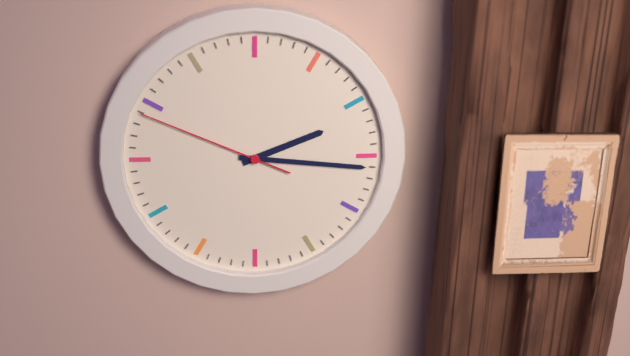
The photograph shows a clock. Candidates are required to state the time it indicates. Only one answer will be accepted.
2:16:49
